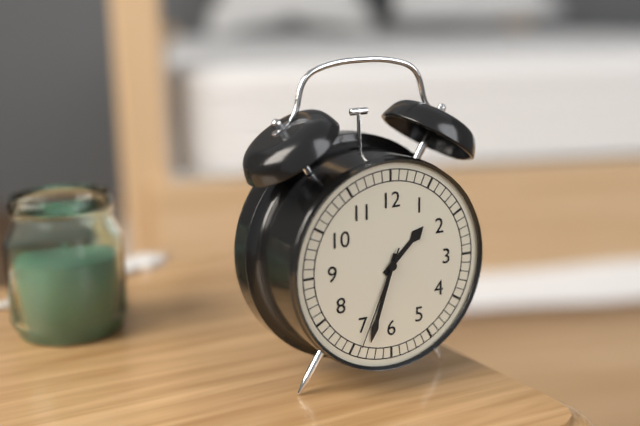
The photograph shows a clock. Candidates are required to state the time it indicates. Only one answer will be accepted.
1:33:34
